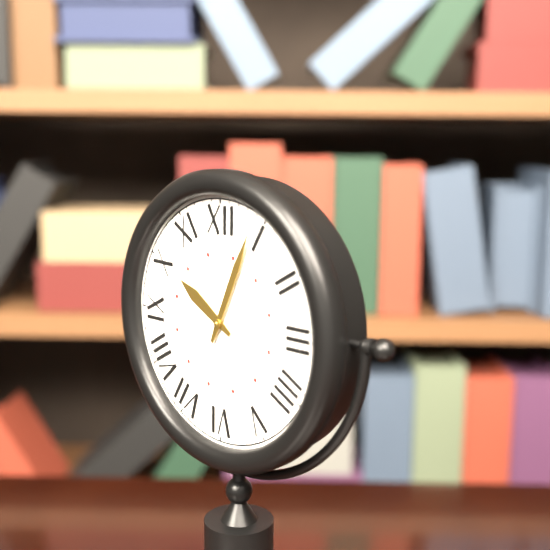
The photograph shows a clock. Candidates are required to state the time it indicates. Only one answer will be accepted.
10:04
